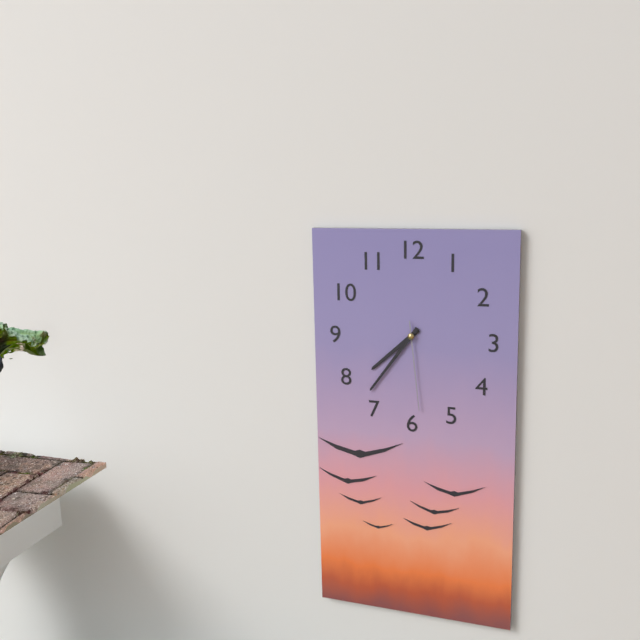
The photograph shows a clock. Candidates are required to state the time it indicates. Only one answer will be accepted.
7:36:29
